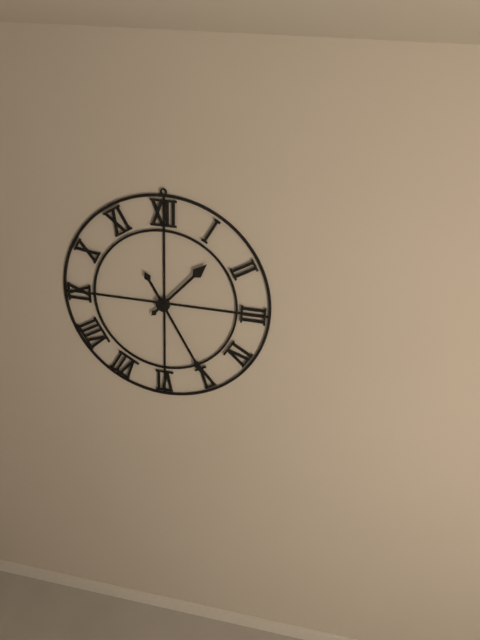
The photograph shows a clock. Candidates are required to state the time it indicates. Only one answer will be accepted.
1:25
